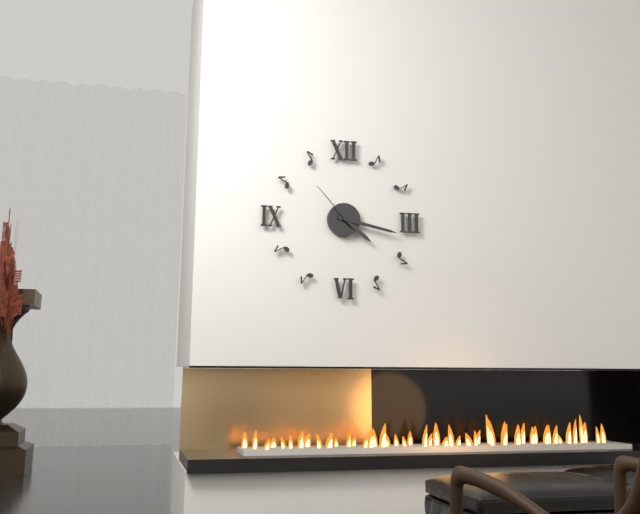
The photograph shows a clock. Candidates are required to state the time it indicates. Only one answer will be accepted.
4:17:53
